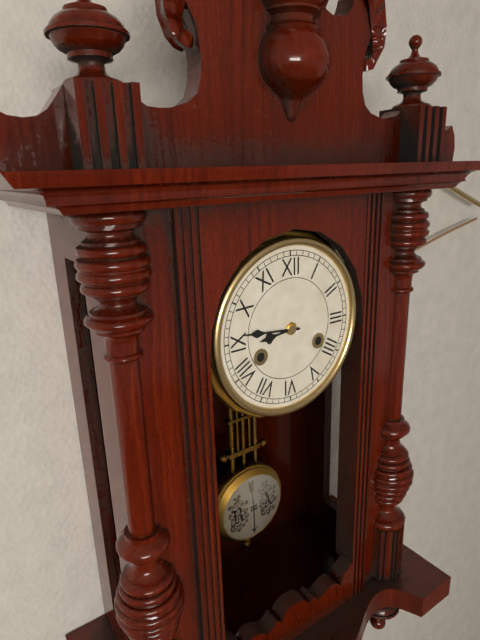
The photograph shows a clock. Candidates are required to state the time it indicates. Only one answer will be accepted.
8:46
